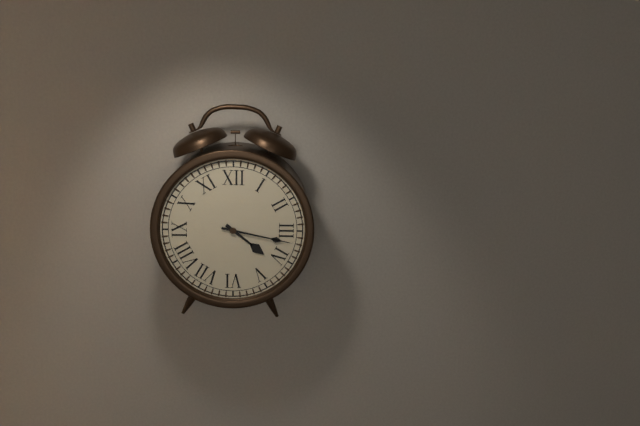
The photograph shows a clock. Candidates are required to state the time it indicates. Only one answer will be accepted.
4:17
